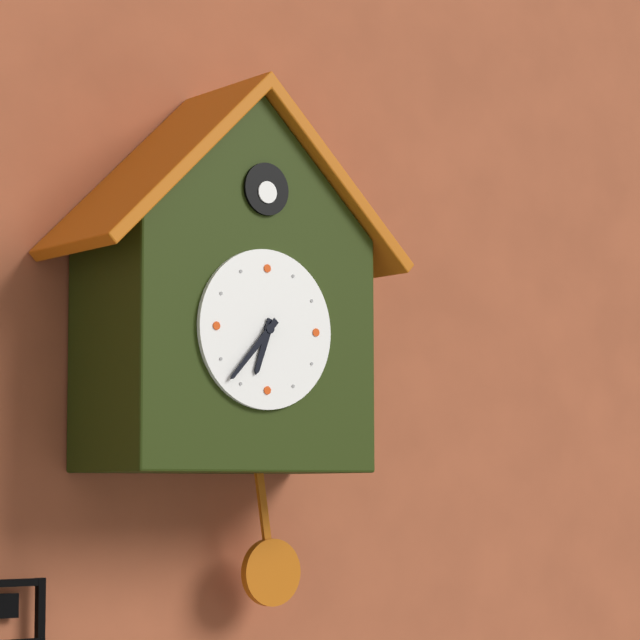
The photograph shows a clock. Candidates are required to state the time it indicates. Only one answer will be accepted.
6:37
